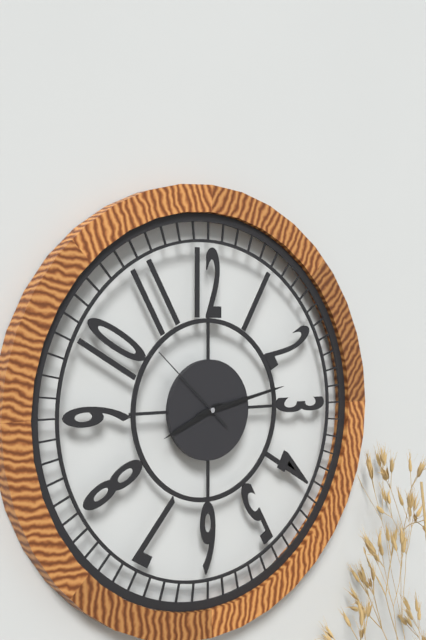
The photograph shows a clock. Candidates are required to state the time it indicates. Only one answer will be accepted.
8:13:52
